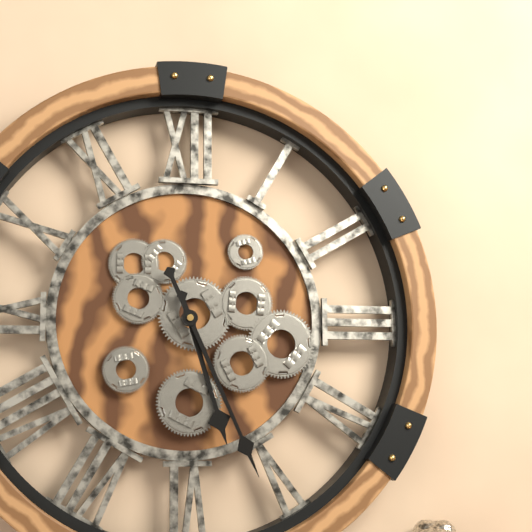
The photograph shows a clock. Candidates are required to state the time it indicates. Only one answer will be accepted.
5:26
